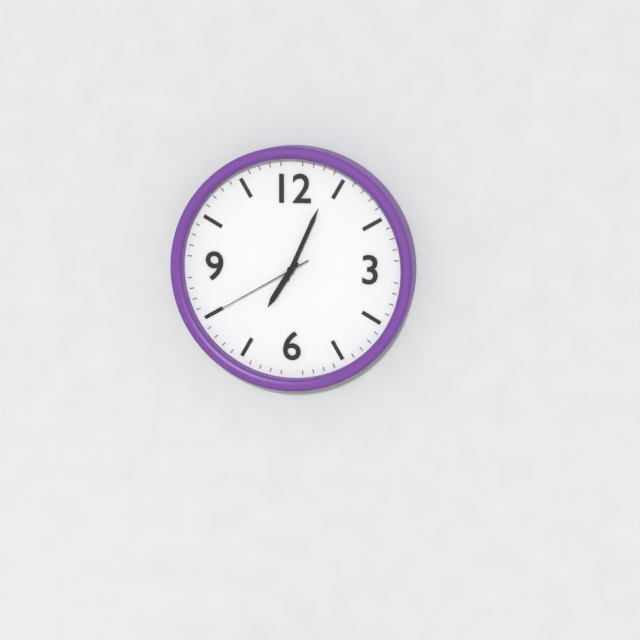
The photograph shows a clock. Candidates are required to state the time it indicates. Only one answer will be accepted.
7:04:40
